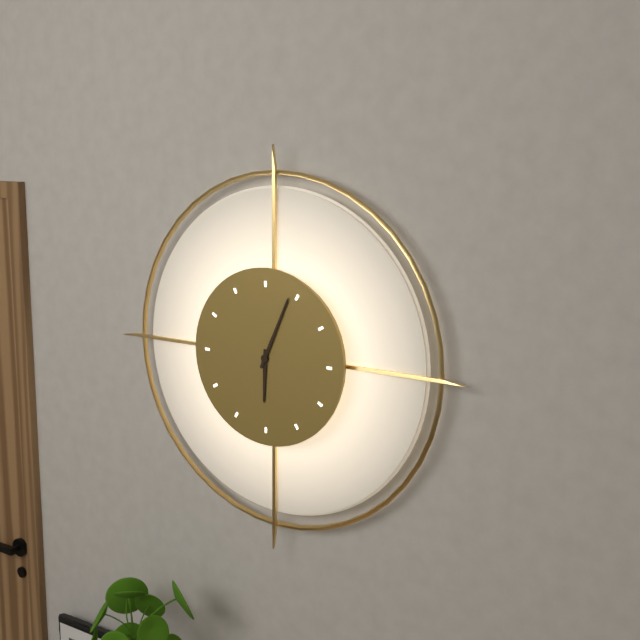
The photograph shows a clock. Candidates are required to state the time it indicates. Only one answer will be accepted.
6:04
